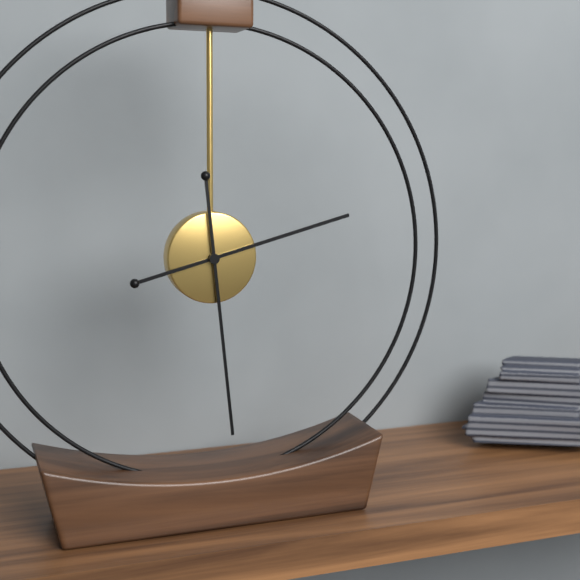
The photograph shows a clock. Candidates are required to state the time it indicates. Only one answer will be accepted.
2:29
